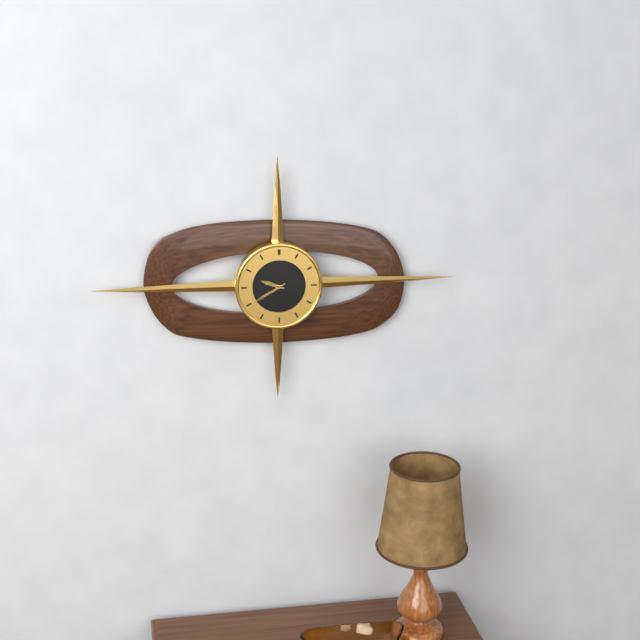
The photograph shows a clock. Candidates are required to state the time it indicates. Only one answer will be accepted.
9:40
